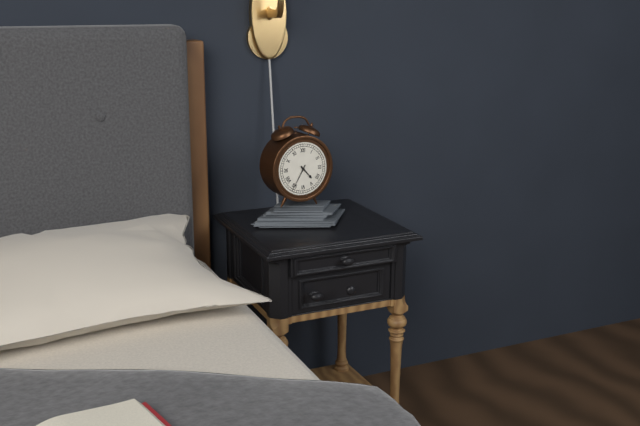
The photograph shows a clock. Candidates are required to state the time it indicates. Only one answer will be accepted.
4:35
